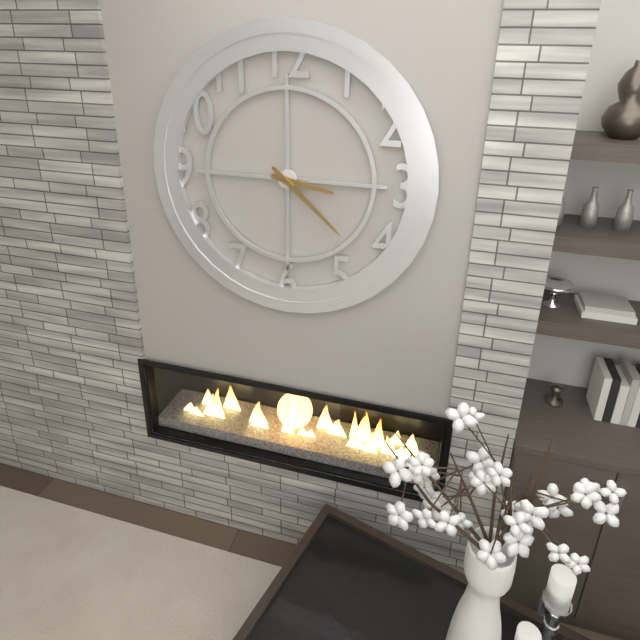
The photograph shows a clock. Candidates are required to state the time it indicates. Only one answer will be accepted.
3:22
